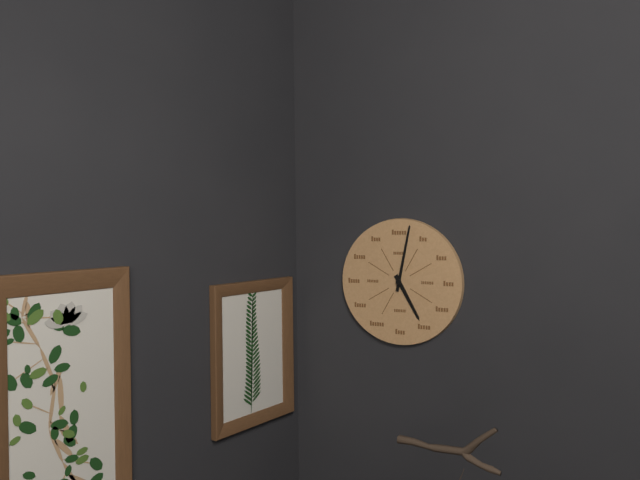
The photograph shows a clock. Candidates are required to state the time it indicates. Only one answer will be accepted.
5:02
